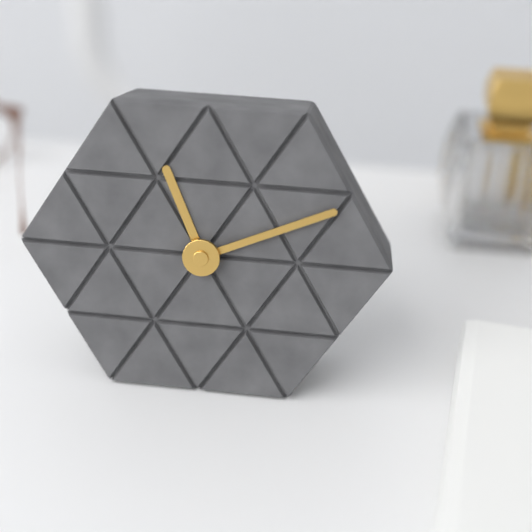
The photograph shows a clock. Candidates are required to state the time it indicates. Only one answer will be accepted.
11:11
